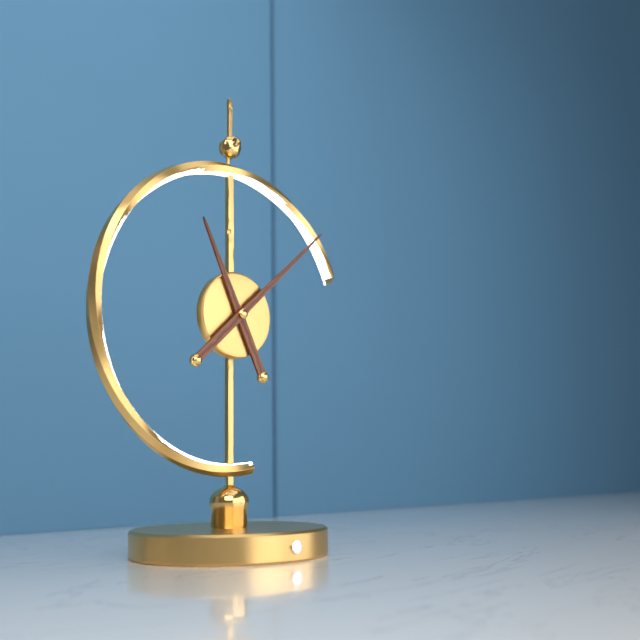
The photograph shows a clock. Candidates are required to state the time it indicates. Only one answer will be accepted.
11:08
